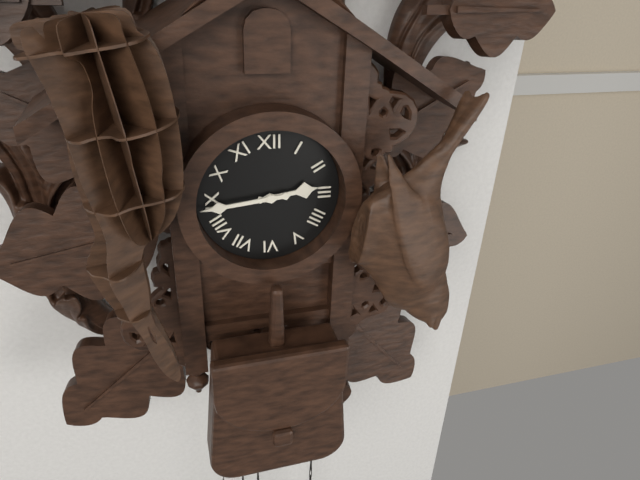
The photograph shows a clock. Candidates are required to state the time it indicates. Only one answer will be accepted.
2:44
